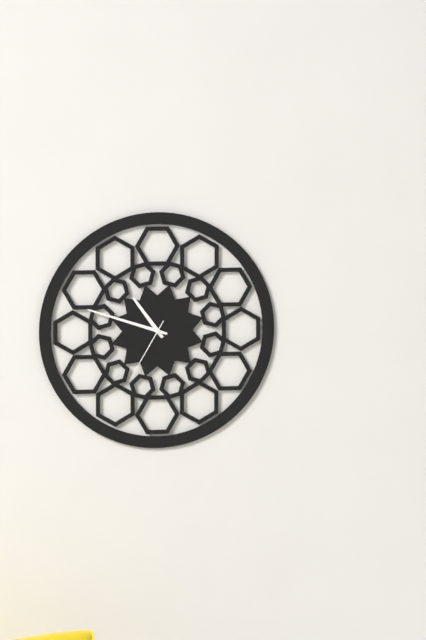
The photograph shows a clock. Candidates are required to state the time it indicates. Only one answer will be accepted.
10:48:35
